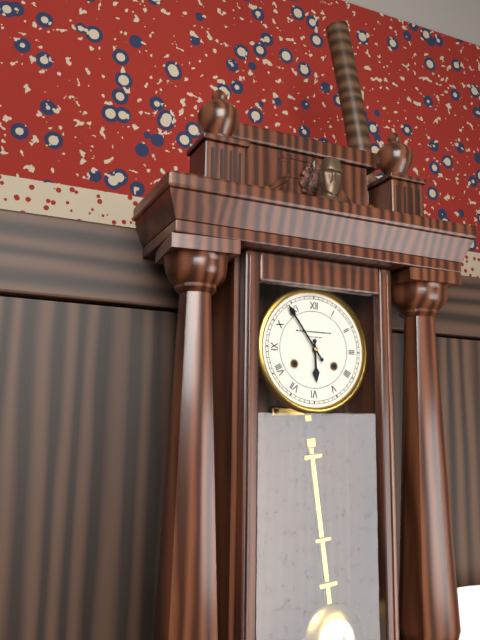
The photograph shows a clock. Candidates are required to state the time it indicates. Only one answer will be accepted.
5:54
